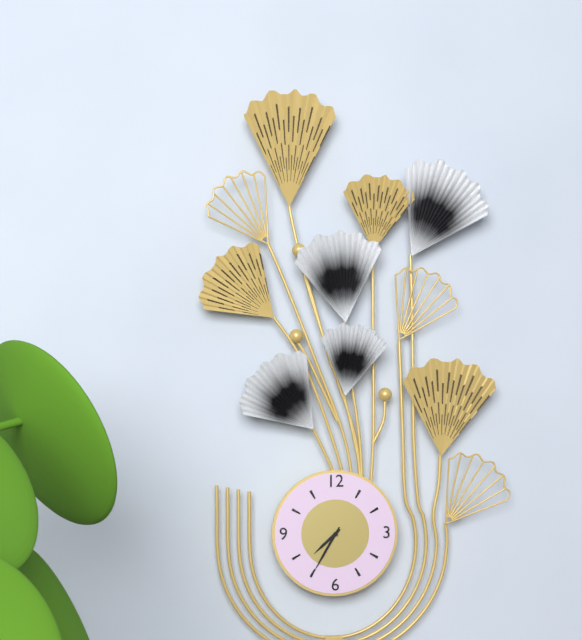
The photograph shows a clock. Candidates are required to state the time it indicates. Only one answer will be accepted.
7:35
